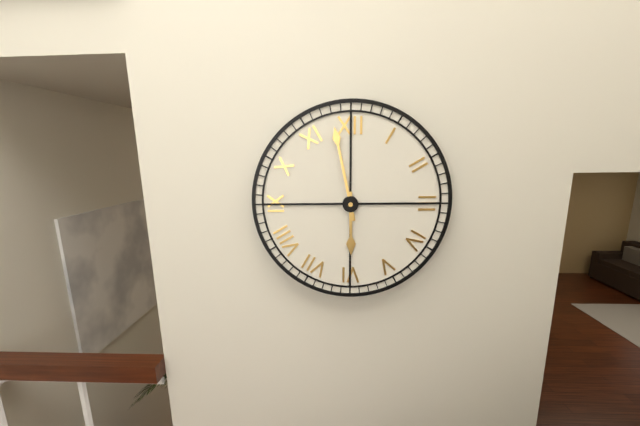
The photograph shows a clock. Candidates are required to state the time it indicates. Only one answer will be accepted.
5:58
